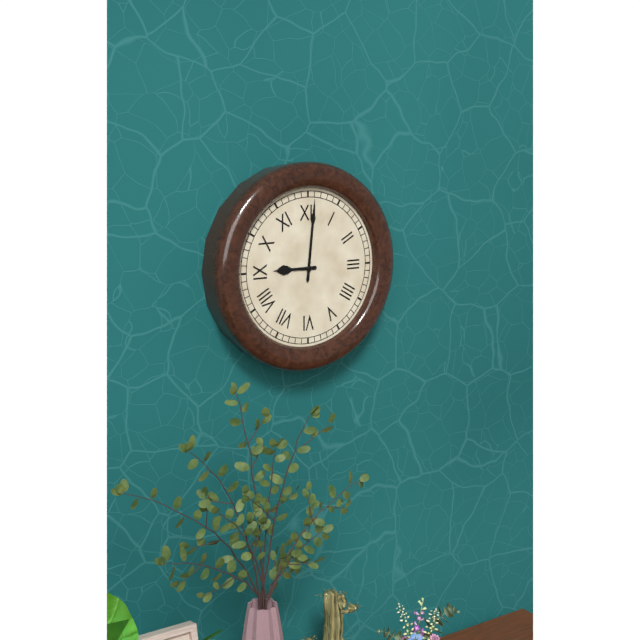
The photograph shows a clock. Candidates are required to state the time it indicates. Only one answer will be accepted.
9:01
